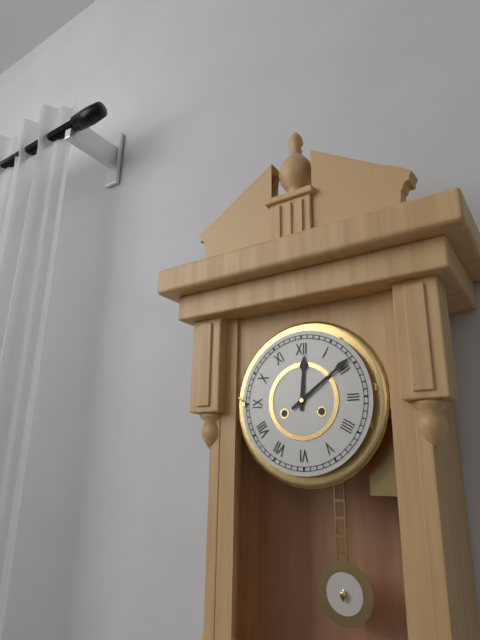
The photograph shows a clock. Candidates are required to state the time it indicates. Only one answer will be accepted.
12:09
